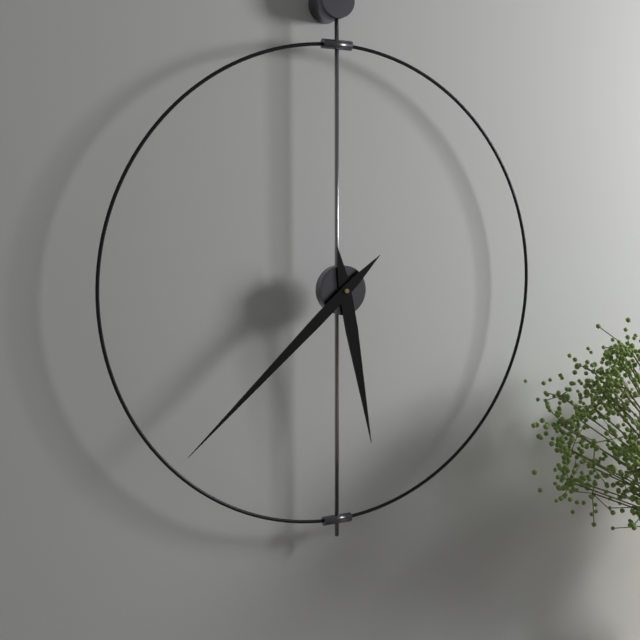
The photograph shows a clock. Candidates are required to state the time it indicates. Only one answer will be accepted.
5:38
